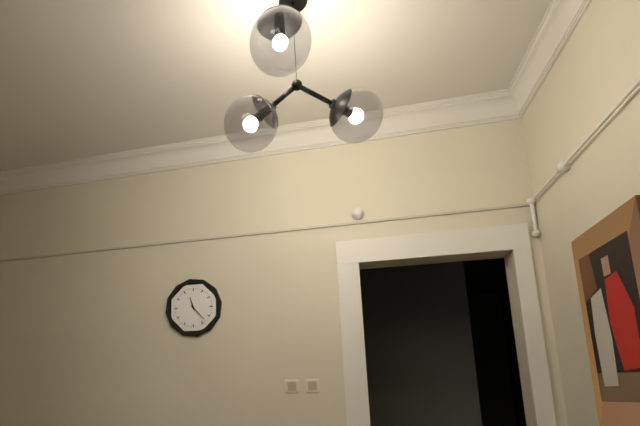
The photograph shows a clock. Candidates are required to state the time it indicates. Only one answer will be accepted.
11:23
